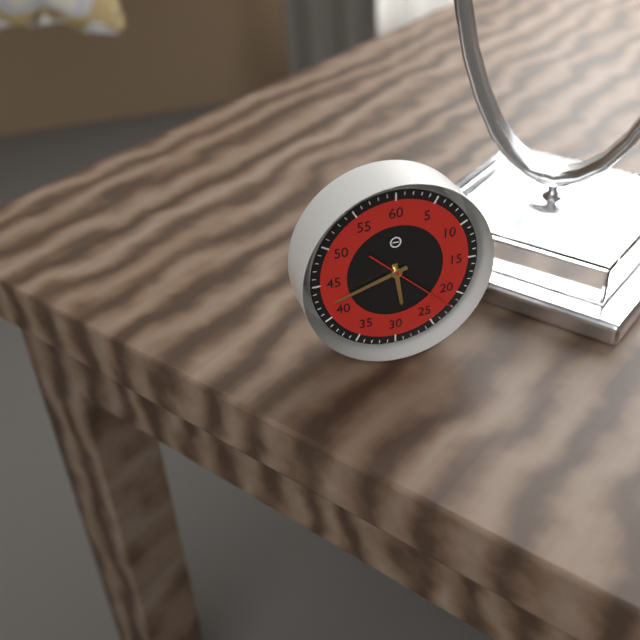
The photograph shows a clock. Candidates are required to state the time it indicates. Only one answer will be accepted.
5:42:22
